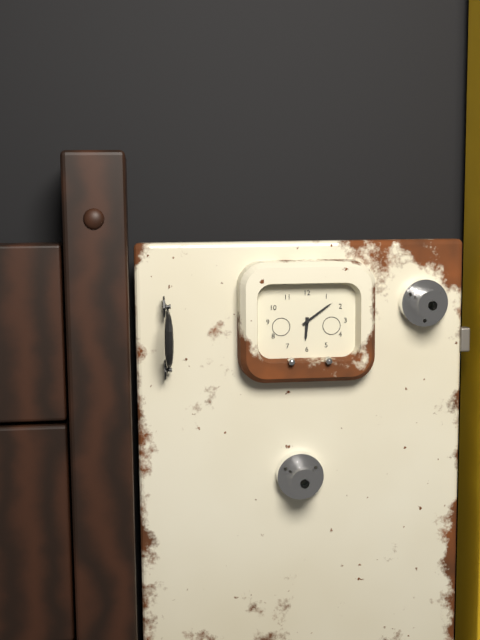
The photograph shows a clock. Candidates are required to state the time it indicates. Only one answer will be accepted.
6:09
